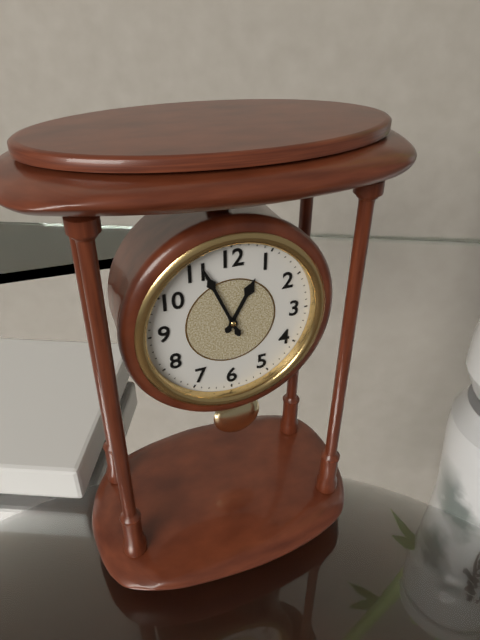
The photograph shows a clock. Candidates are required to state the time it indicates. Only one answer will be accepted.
12:56
